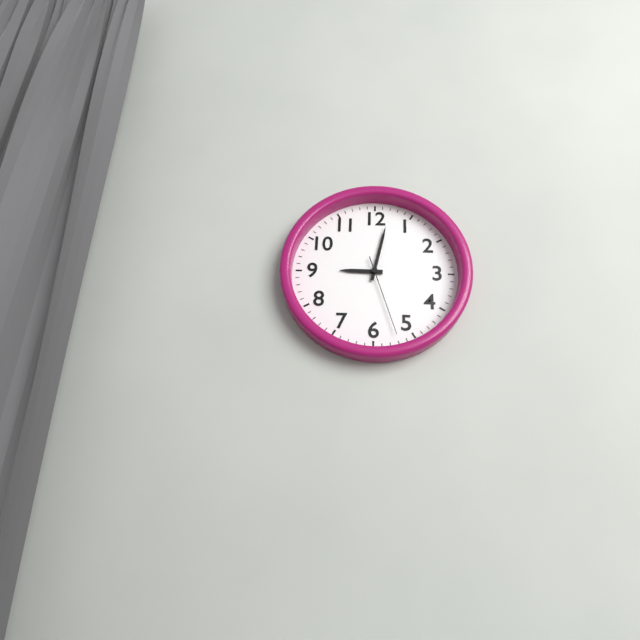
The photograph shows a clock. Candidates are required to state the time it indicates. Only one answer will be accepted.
9:02:27
